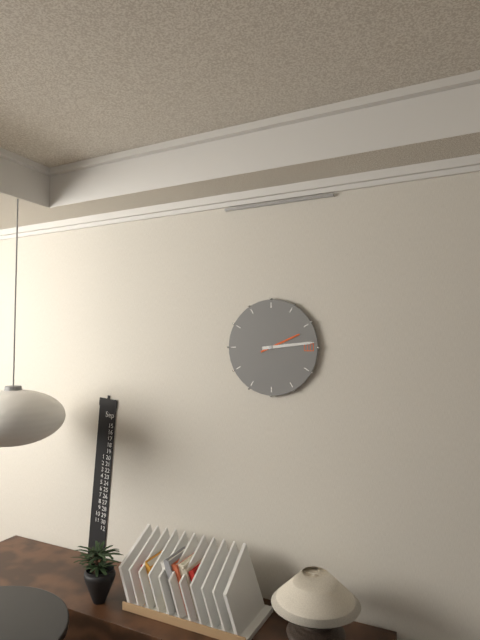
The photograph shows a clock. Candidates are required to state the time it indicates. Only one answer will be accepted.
2:14
